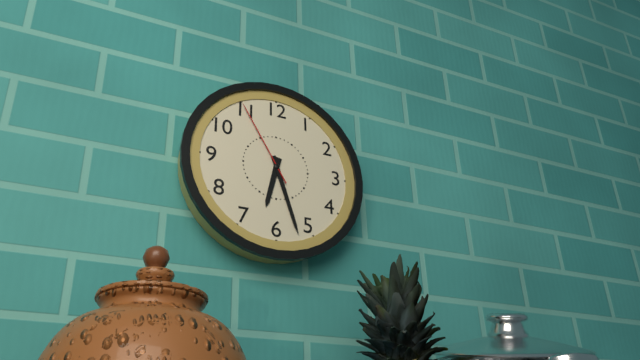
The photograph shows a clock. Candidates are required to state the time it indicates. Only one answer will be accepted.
6:27:55
